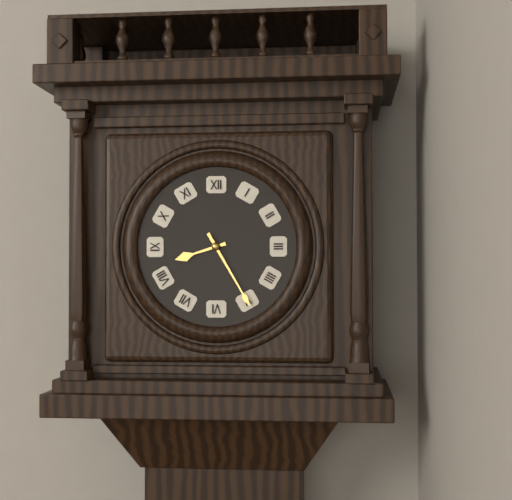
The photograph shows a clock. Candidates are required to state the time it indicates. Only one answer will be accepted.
8:25
